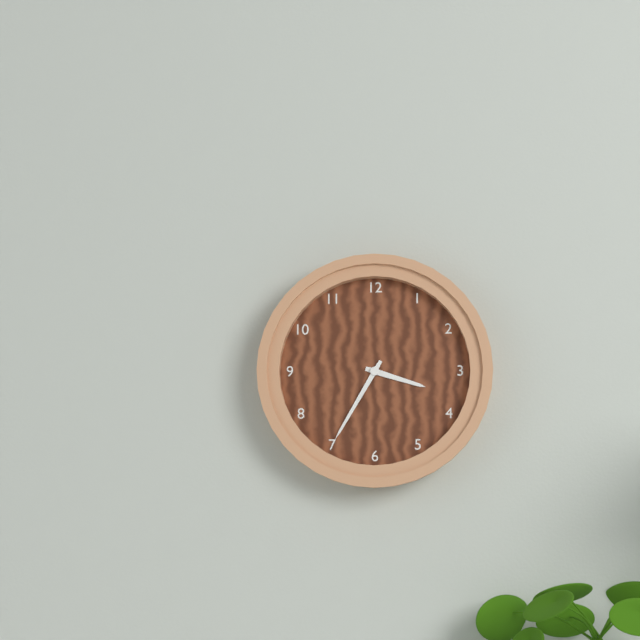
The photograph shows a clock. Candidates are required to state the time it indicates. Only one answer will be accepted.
3:35
